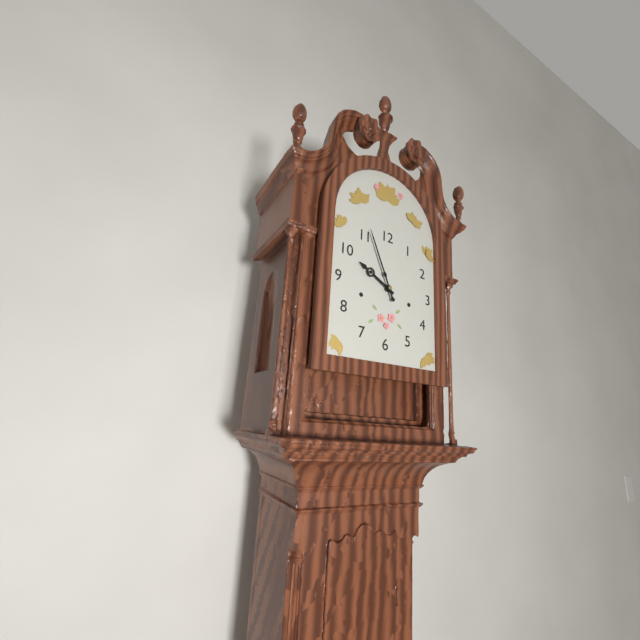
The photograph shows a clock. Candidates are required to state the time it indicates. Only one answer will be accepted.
9:56
